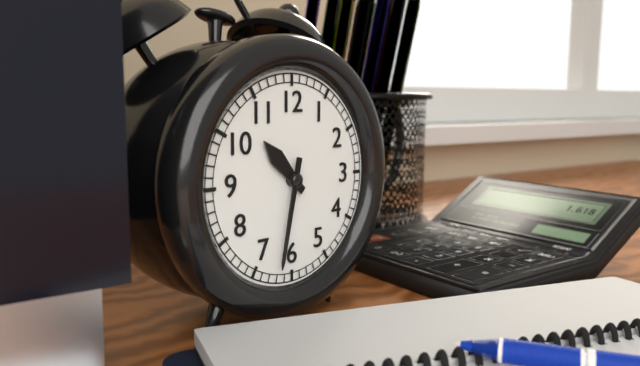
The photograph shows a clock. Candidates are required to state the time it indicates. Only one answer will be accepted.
10:32
